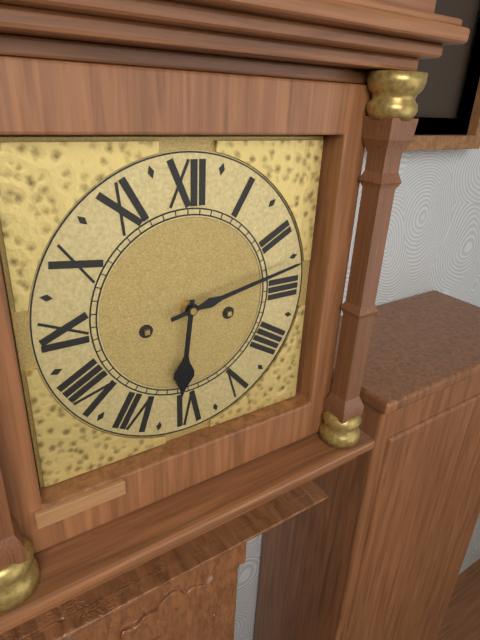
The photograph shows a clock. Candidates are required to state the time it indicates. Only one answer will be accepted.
6:13
